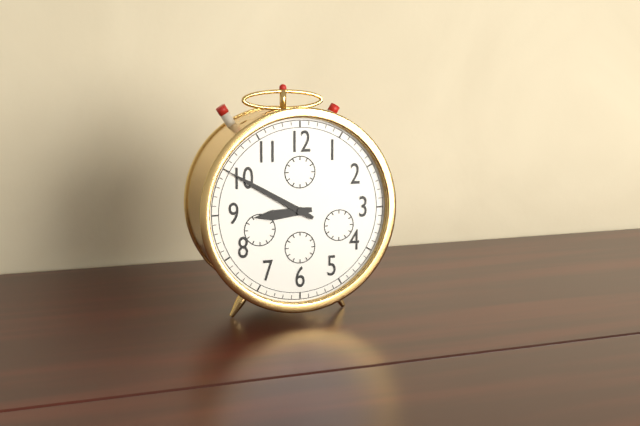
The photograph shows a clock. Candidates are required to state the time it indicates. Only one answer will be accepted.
8:50
